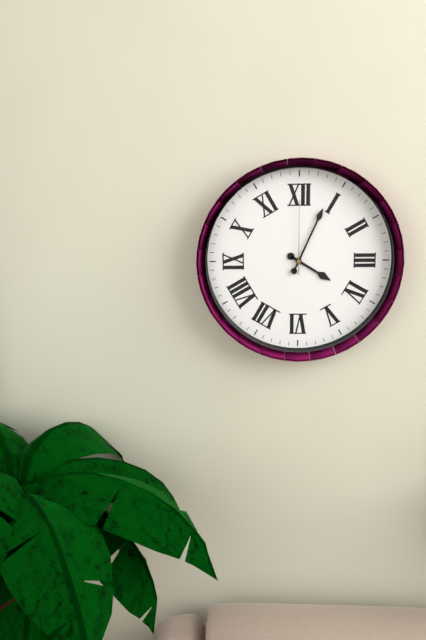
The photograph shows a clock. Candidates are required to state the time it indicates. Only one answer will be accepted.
4:04:00
